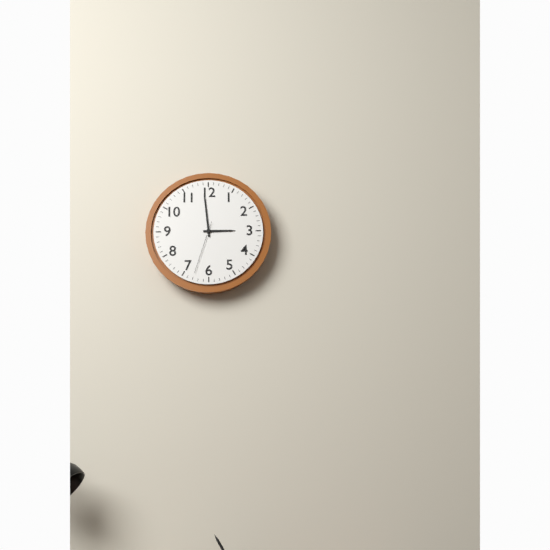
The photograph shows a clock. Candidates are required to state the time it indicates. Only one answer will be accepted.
2:59:33
